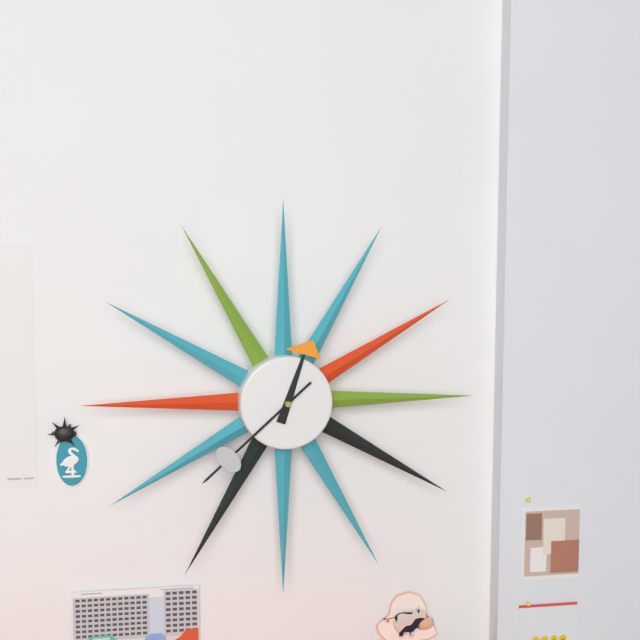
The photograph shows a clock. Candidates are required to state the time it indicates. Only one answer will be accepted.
12:38
